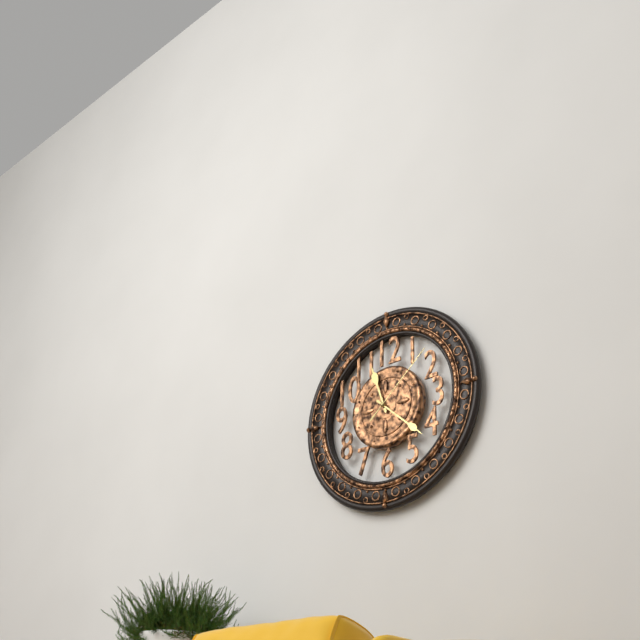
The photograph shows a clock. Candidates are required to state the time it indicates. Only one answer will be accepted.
11:22:08
